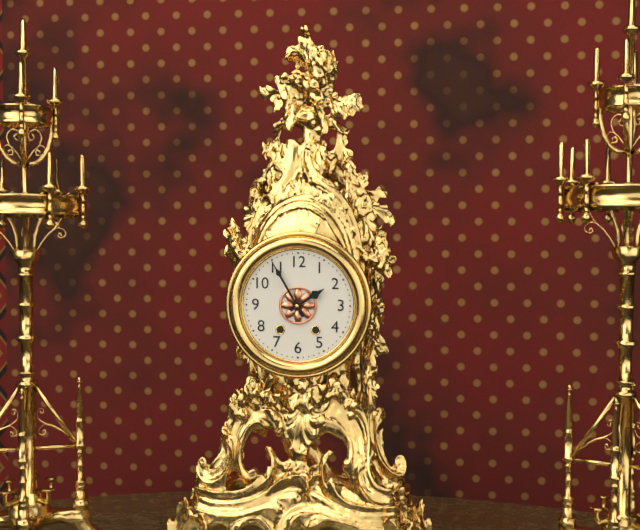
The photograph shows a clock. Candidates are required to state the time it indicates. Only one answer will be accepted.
1:55
